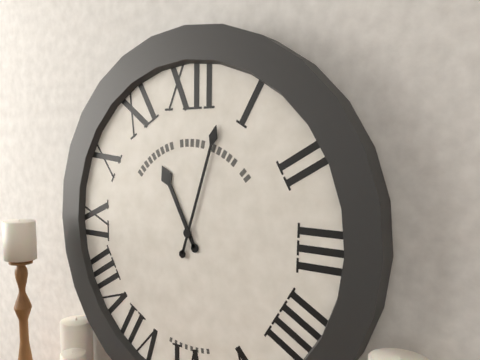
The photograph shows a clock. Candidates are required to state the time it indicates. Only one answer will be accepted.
11:03
